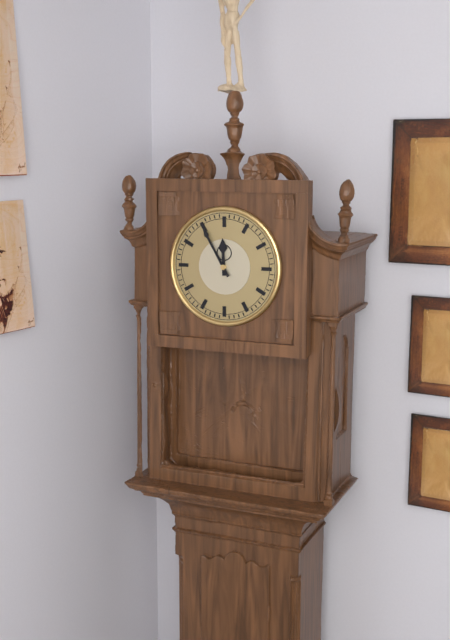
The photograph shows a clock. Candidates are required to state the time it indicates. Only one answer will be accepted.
11:55
